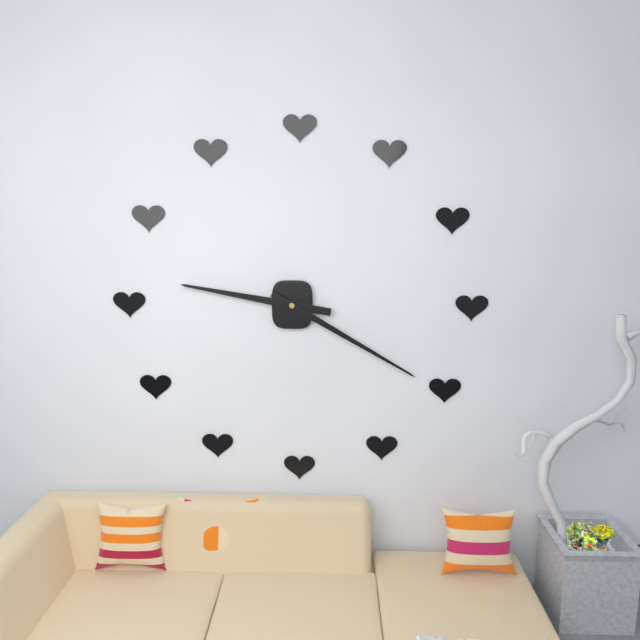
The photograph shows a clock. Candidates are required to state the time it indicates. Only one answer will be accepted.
9:20
